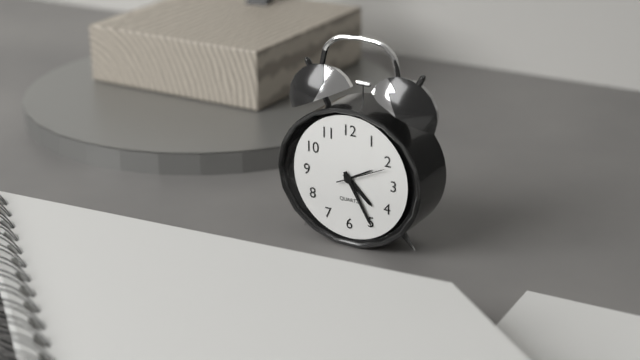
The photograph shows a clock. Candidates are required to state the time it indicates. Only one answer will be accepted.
4:25
